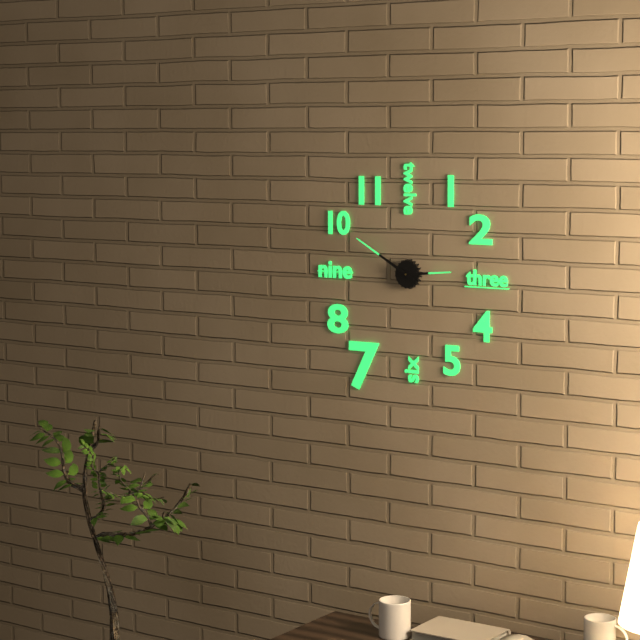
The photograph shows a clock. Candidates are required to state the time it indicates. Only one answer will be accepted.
2:50
